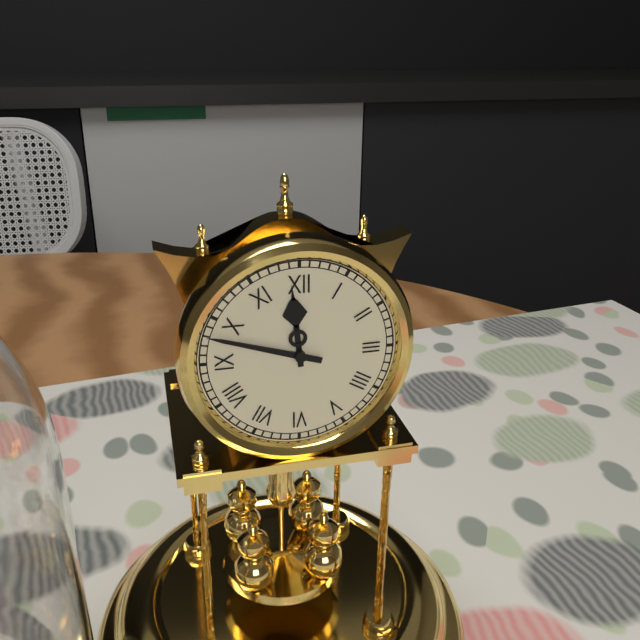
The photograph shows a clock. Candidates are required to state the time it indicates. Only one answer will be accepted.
11:48
